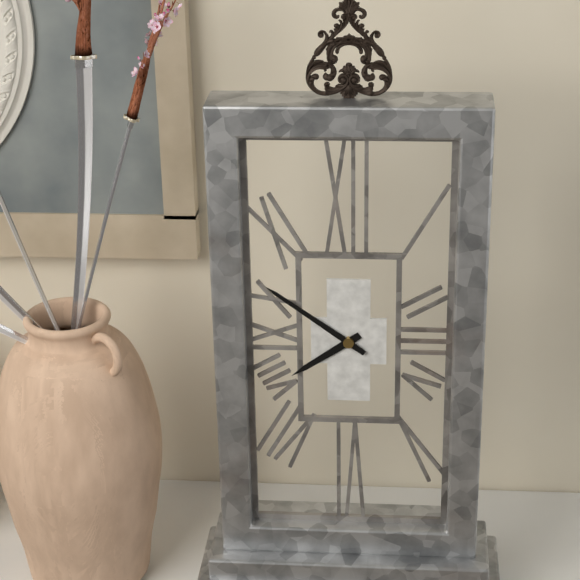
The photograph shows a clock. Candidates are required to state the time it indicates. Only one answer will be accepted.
7:51
